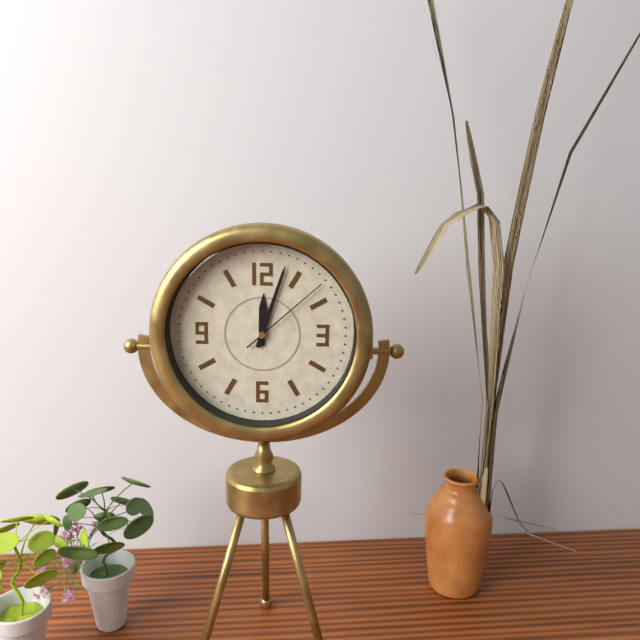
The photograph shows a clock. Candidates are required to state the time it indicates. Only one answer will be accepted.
12:03:08
